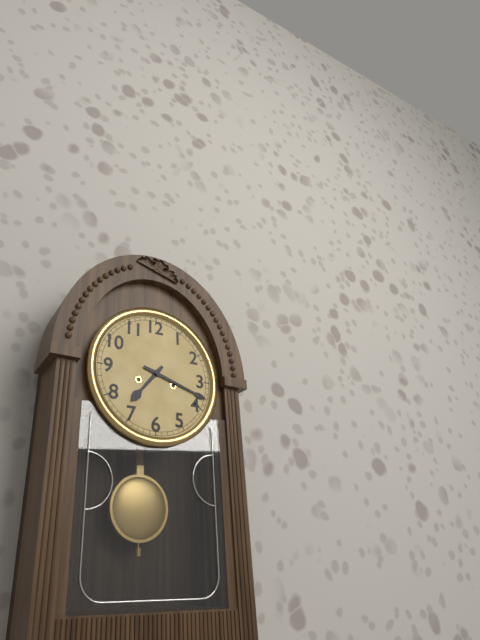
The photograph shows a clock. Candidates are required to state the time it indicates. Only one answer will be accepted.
7:18
